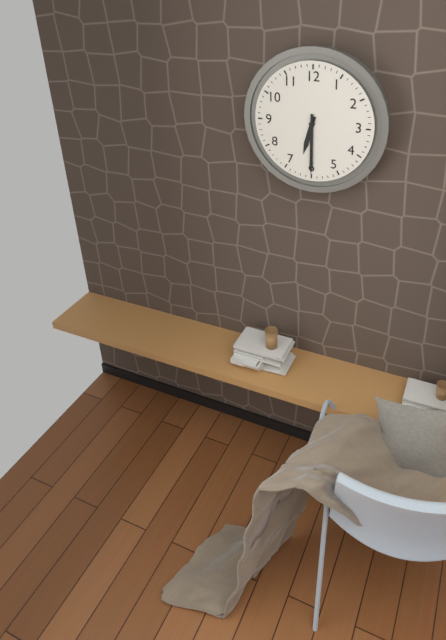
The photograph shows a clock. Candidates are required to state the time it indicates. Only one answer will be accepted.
6:30
